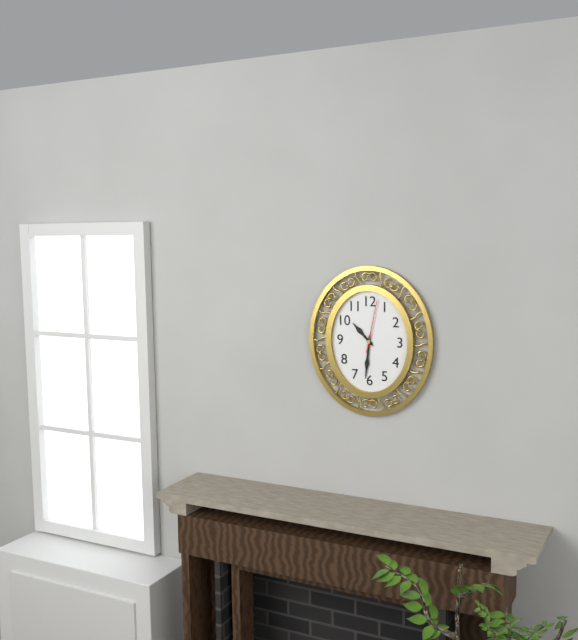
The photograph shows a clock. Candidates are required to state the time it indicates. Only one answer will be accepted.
10:31:02
